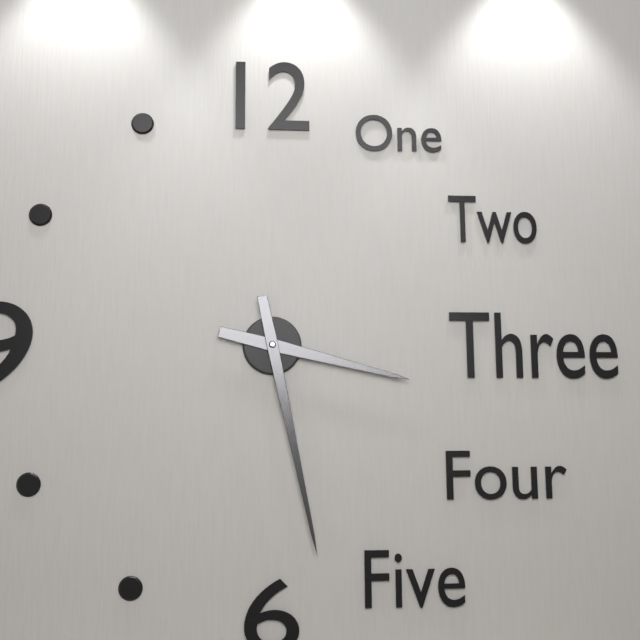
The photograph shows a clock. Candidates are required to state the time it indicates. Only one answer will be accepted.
3:28
